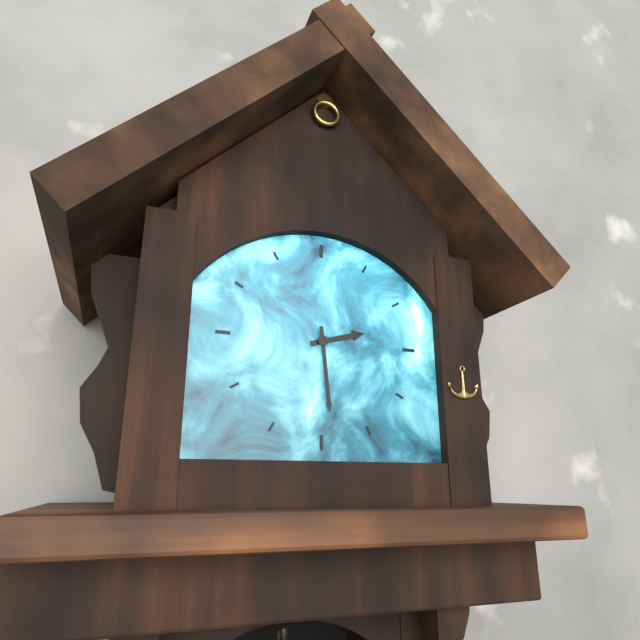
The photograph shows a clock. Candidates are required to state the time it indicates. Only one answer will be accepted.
2:29
